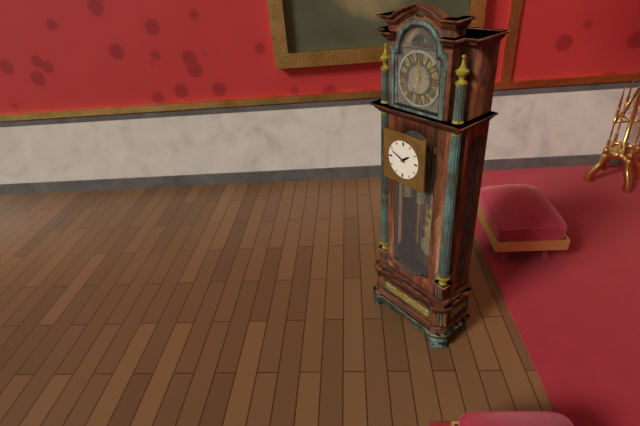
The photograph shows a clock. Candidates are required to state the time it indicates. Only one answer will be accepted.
1:49
